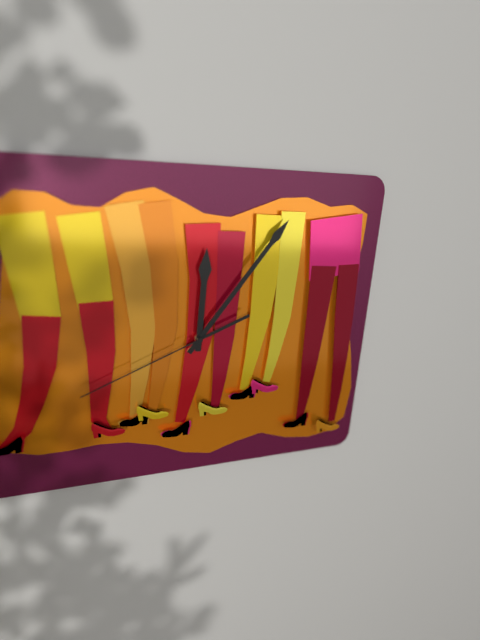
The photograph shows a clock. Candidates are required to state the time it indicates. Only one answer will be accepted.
12:06:41
